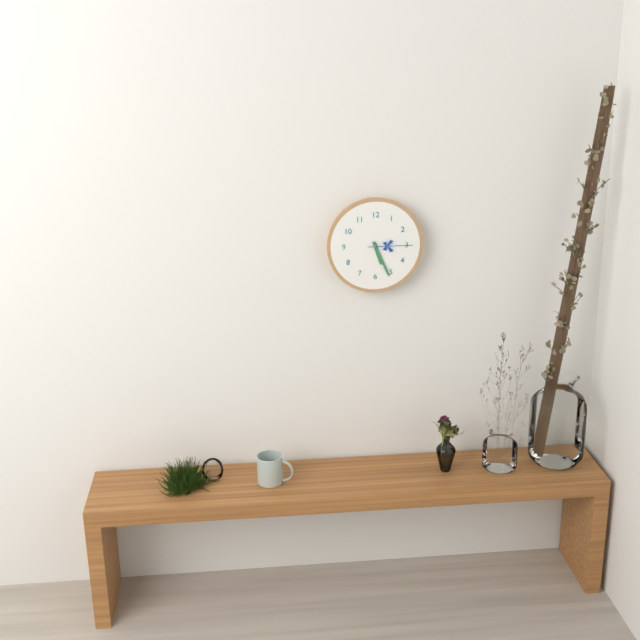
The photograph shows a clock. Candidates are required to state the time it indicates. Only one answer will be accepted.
5:26
